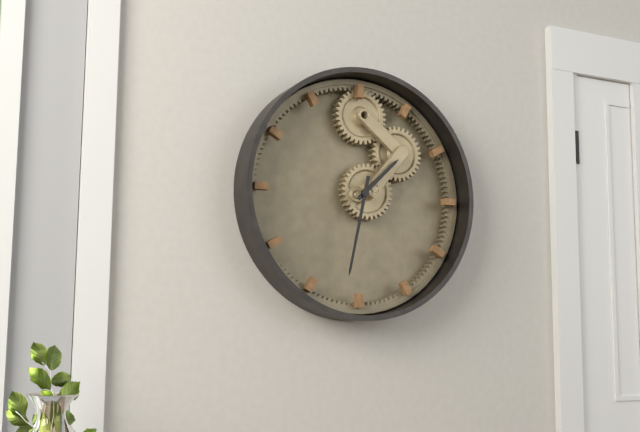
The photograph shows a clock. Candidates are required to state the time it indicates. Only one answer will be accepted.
1:32
